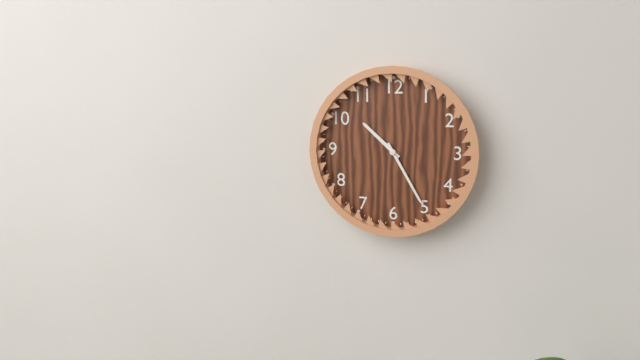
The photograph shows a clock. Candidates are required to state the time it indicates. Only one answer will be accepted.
10:25
